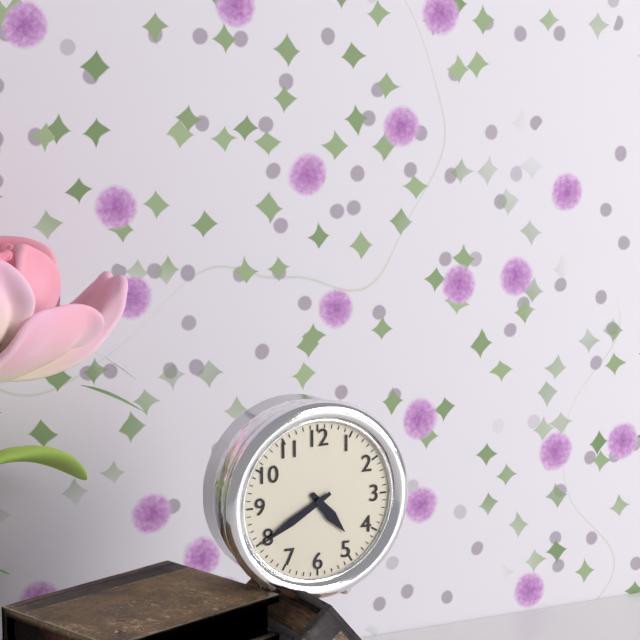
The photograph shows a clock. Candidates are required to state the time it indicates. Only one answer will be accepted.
4:40
